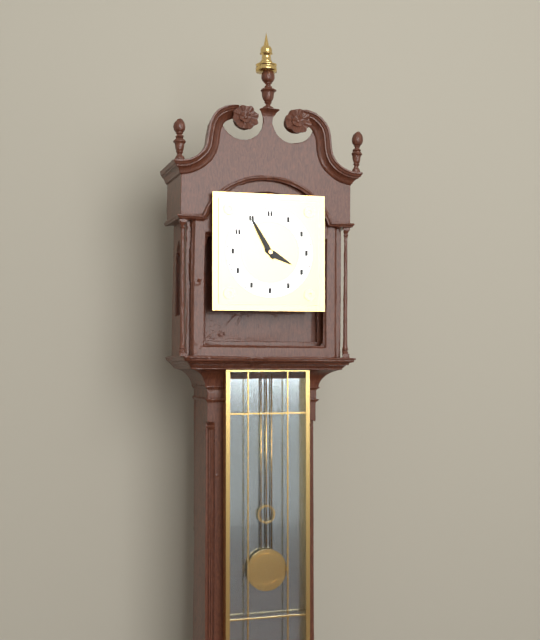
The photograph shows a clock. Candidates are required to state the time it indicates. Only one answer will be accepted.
3:55
